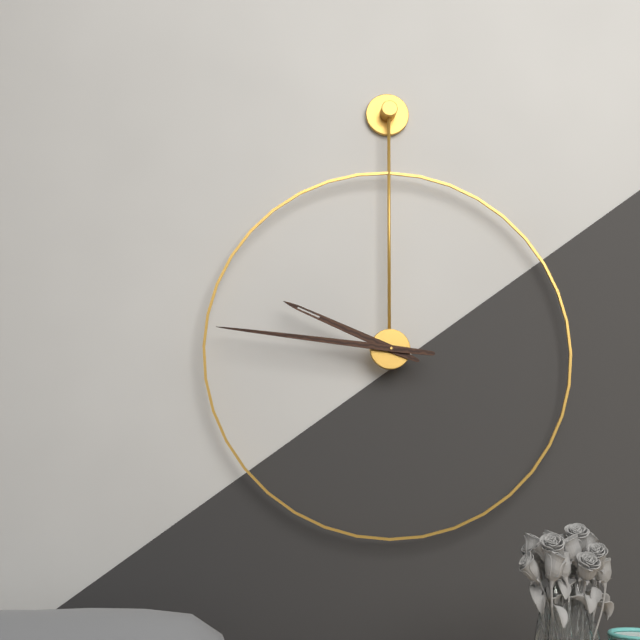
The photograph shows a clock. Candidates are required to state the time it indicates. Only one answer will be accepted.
9:46
